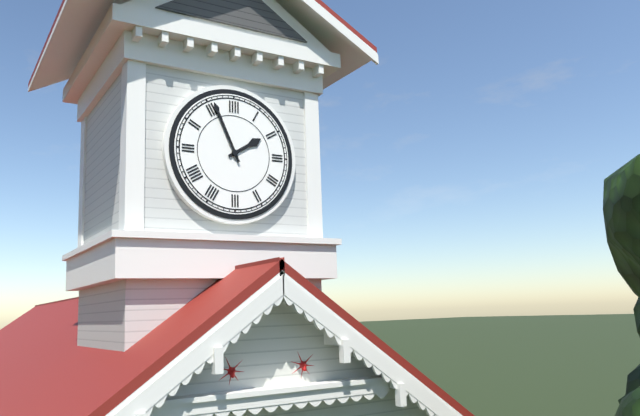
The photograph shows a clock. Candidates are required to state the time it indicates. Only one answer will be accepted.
1:56
